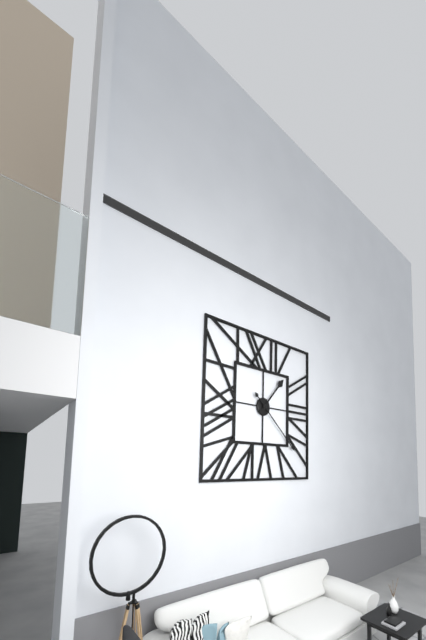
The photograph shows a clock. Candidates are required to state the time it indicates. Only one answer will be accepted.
1:22
